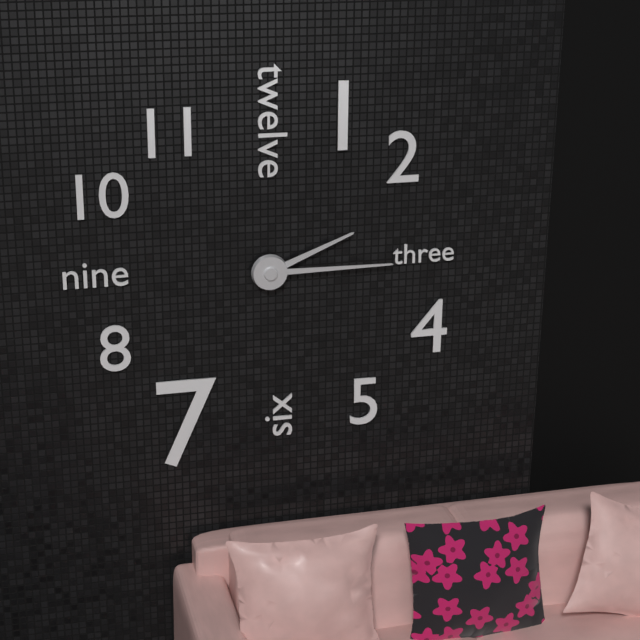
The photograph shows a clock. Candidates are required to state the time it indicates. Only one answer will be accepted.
2:15
